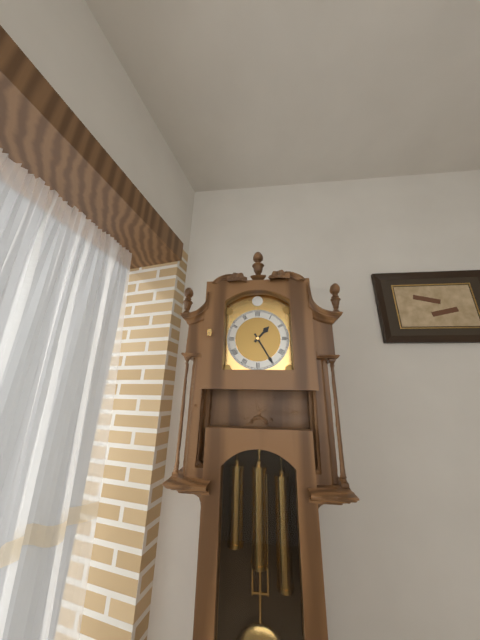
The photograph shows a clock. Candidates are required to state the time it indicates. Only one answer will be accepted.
1:25
